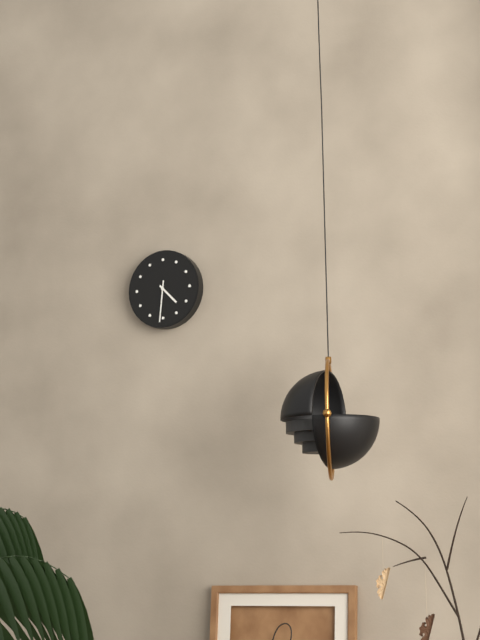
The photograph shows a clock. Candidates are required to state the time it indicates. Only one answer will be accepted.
4:31
